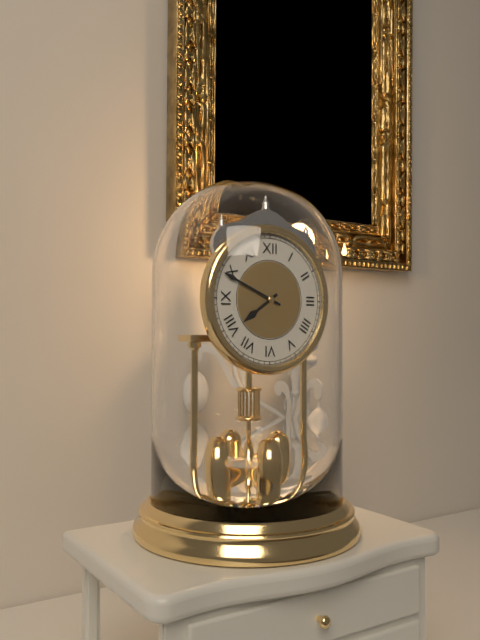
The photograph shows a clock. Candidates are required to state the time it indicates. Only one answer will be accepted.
7:49
